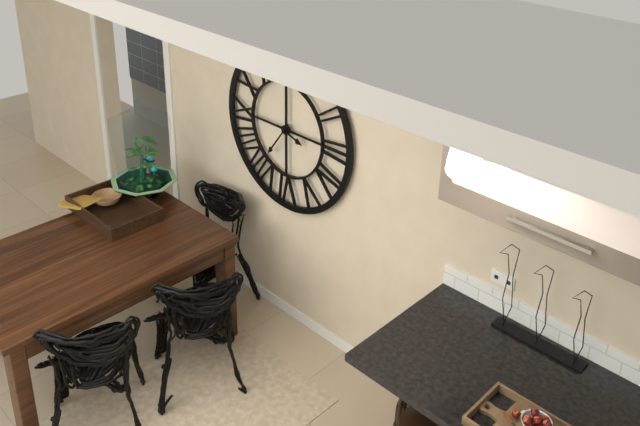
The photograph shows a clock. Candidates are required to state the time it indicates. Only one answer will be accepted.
3:36
